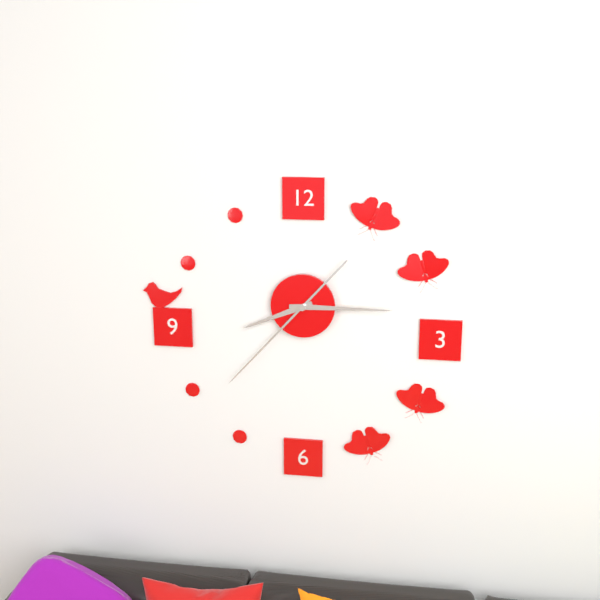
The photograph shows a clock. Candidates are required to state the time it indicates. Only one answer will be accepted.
8:15:37
